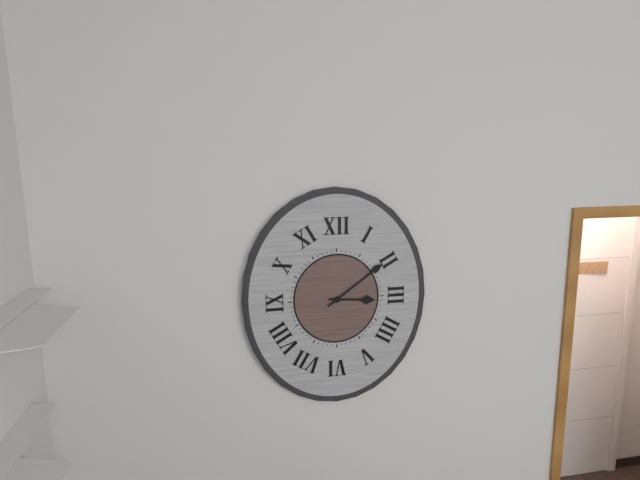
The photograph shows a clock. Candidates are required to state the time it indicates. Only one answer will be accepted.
3:09
